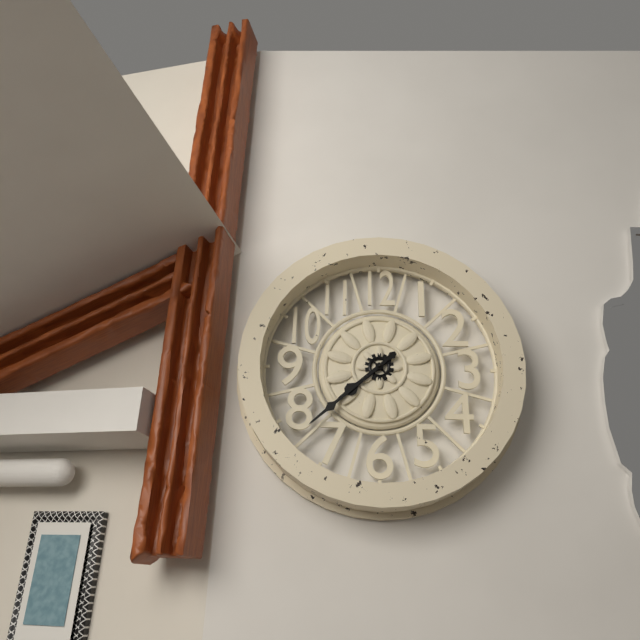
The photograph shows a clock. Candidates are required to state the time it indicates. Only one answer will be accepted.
7:38
